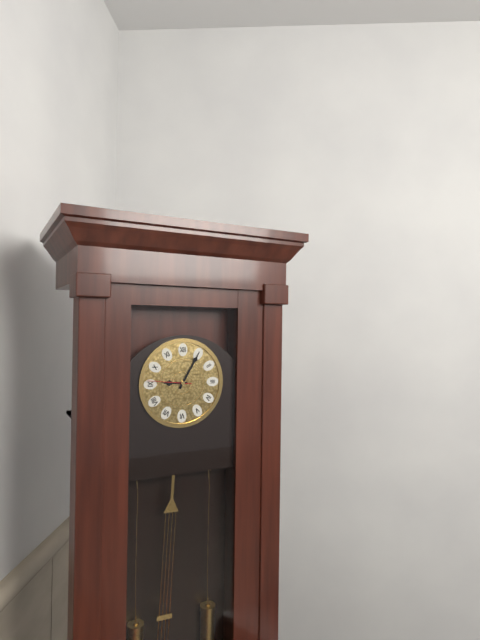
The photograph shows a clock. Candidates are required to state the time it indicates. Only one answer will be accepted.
9:05
